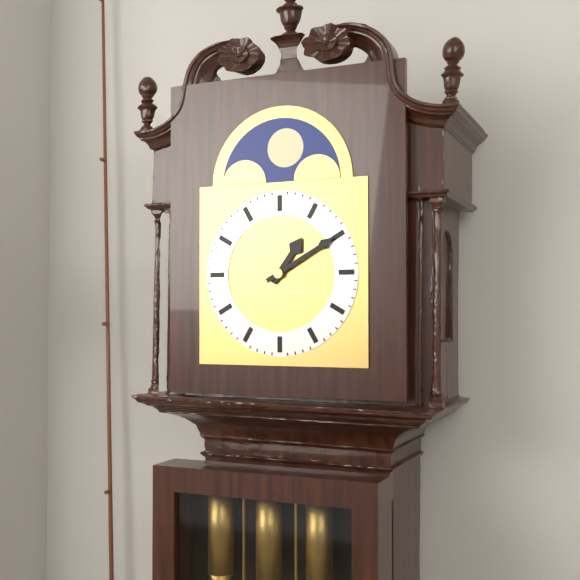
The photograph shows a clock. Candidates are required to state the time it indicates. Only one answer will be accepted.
1:10
